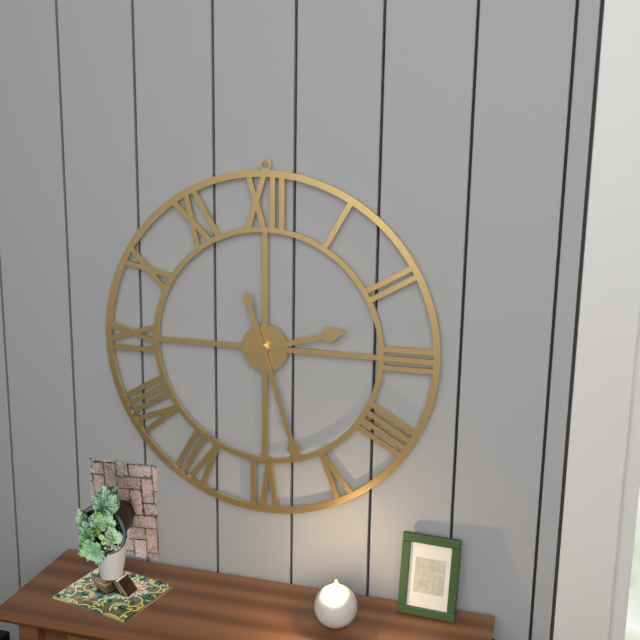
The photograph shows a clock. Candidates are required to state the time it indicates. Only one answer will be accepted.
2:27
